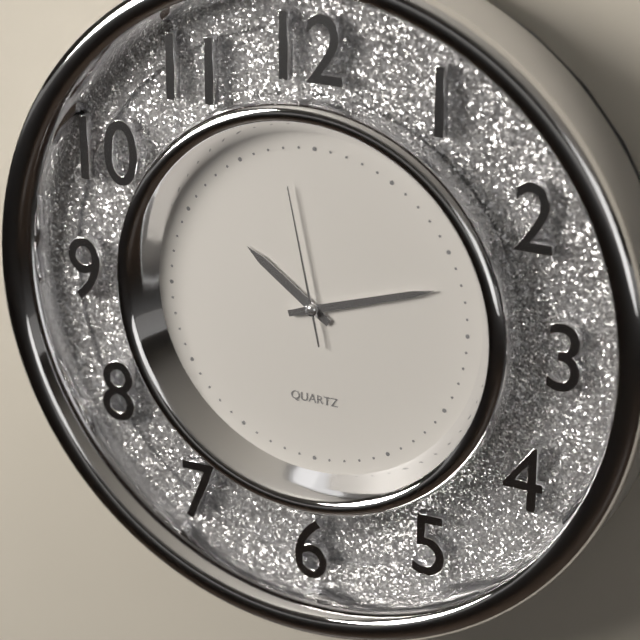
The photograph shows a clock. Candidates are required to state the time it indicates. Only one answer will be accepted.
10:12:58
